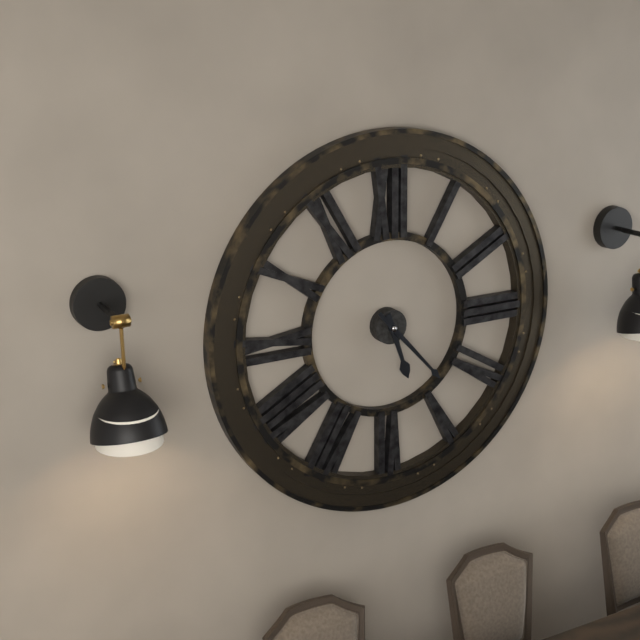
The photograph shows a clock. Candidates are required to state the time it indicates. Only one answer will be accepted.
5:23
